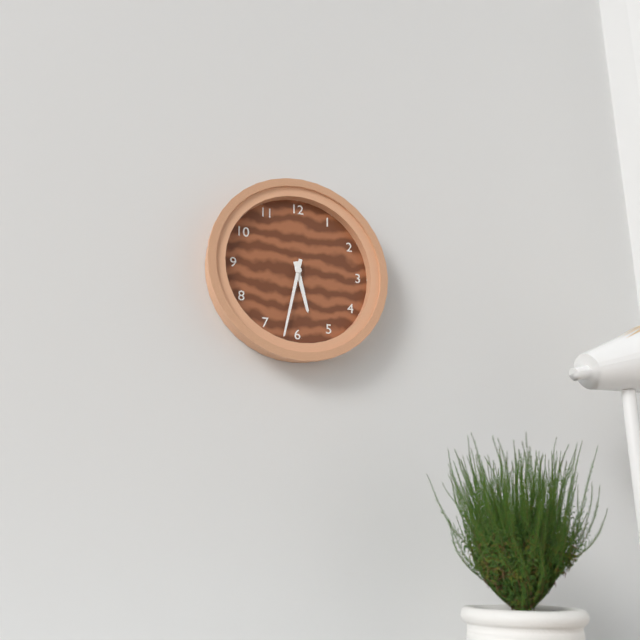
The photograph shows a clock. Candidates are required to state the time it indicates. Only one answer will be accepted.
5:32
